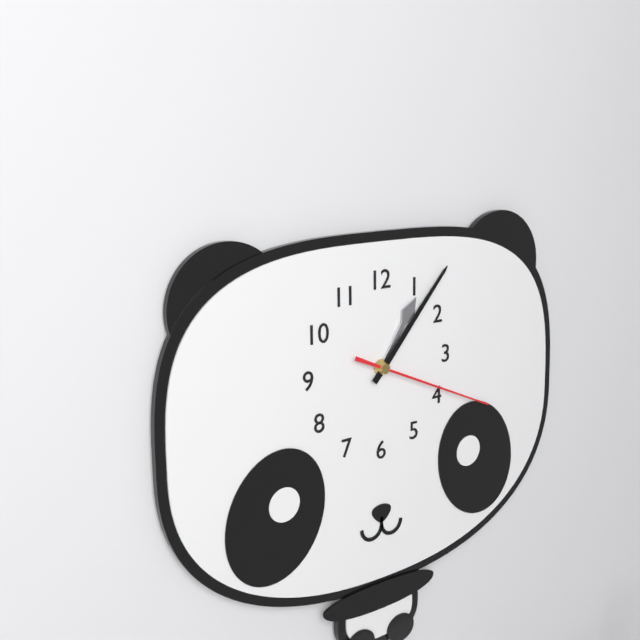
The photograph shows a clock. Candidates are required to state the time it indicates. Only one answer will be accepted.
1:07:19
